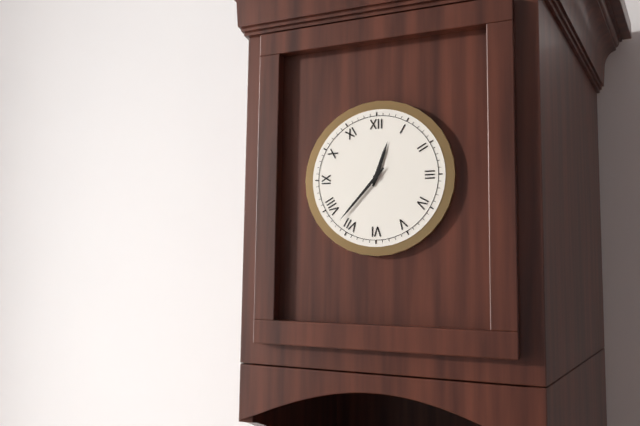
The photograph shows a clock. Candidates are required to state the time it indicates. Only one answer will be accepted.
12:37
